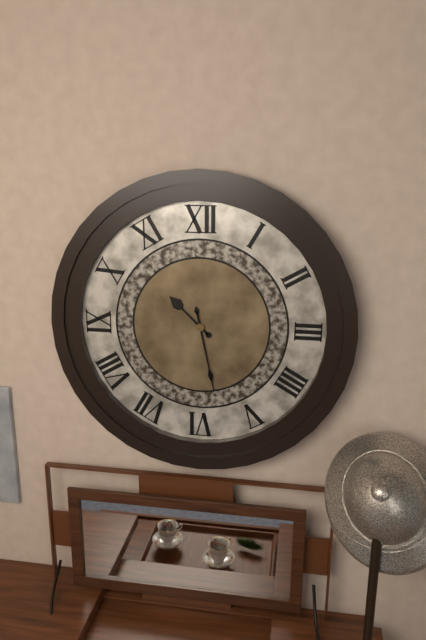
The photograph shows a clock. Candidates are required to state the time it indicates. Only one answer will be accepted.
10:28
